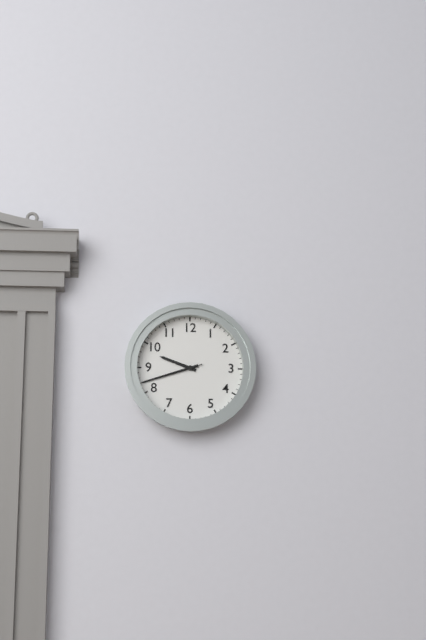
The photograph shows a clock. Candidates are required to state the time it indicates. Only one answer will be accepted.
9:42:42
